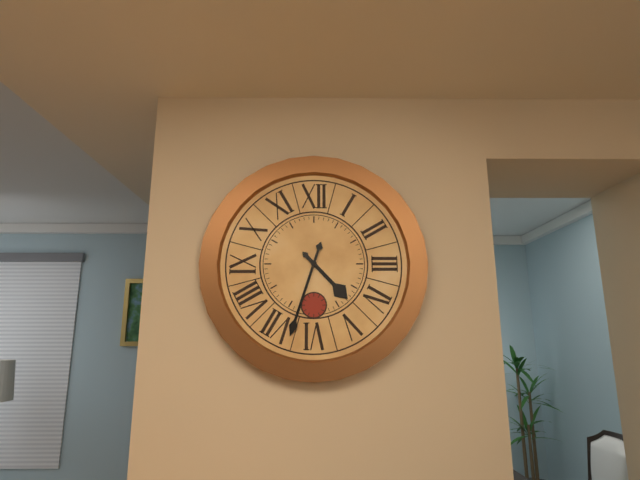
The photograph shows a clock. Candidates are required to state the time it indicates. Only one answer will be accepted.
4:33
